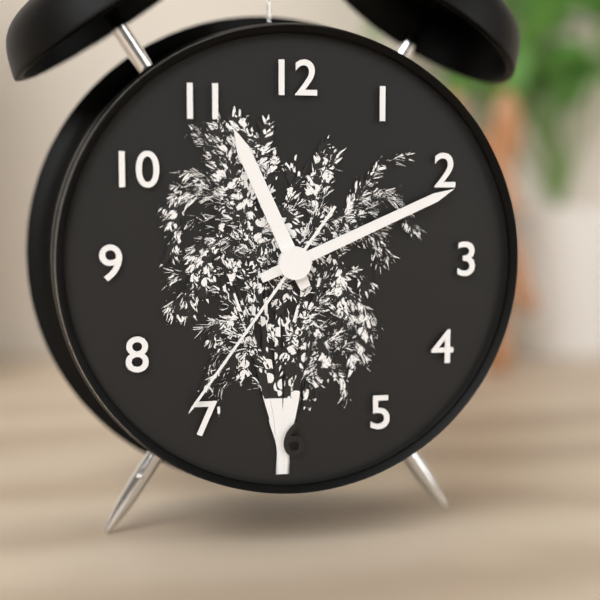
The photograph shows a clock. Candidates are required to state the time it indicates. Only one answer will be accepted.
11:11:36
